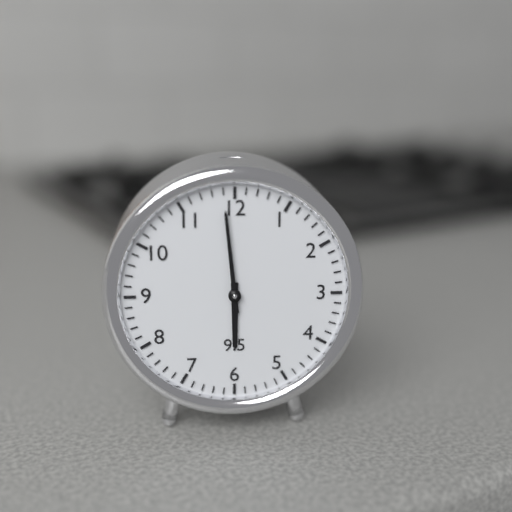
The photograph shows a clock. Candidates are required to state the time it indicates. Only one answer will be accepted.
5:59
